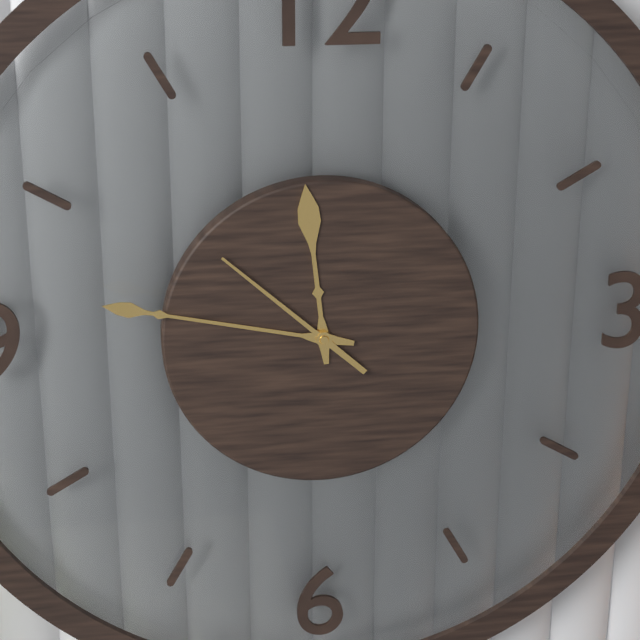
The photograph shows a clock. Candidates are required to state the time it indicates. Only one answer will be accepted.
11:47:52
